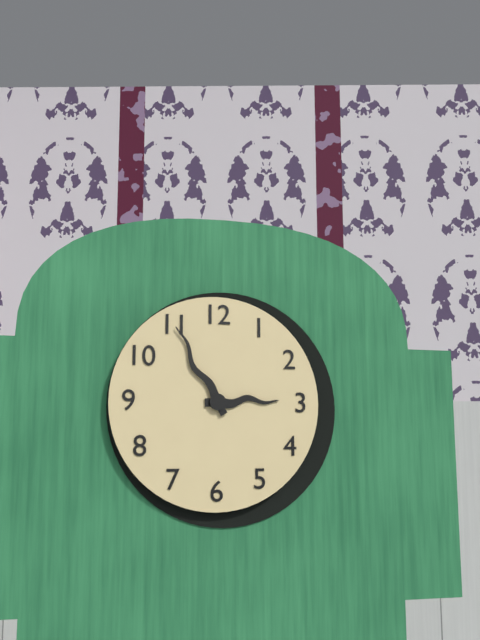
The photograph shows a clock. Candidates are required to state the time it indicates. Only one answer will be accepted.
2:55
